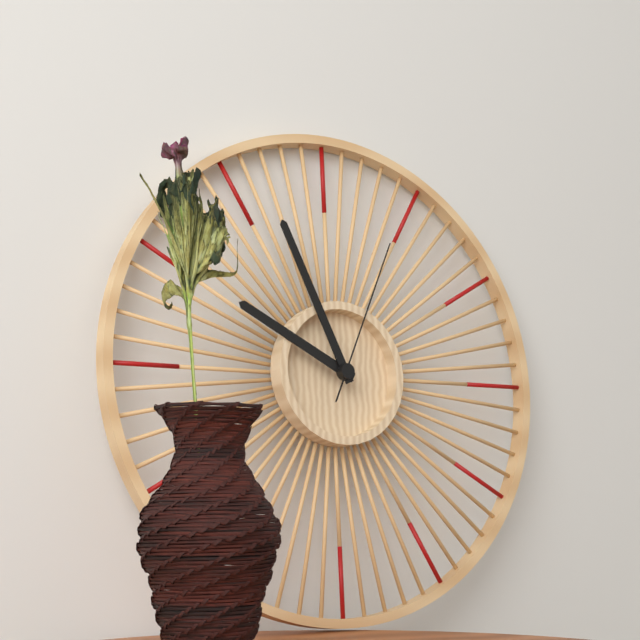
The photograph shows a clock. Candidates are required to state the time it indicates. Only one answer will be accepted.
9:56:04
